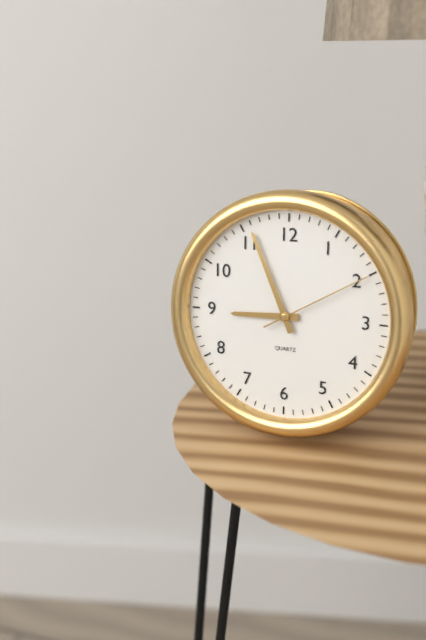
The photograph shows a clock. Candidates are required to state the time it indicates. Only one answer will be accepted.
8:56:10
